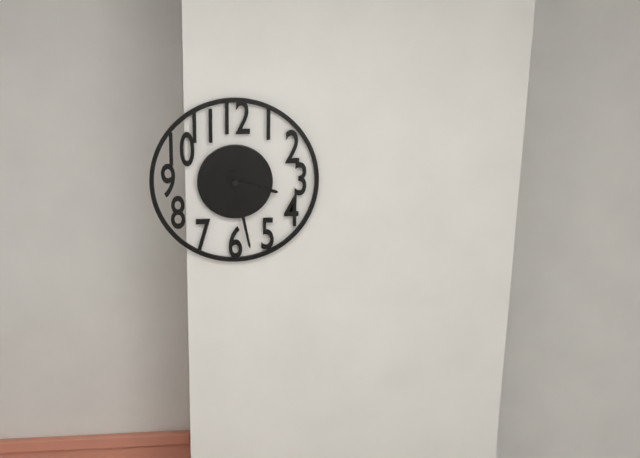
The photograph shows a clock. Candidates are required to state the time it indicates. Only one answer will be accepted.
3:28
